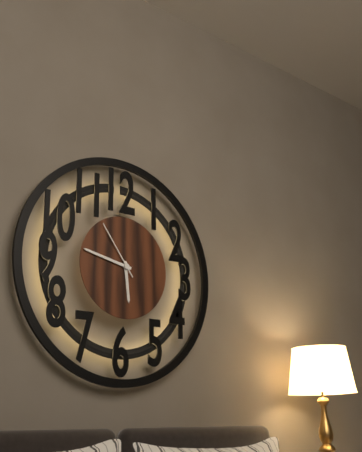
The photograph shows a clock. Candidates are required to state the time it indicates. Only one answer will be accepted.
5:47:54
